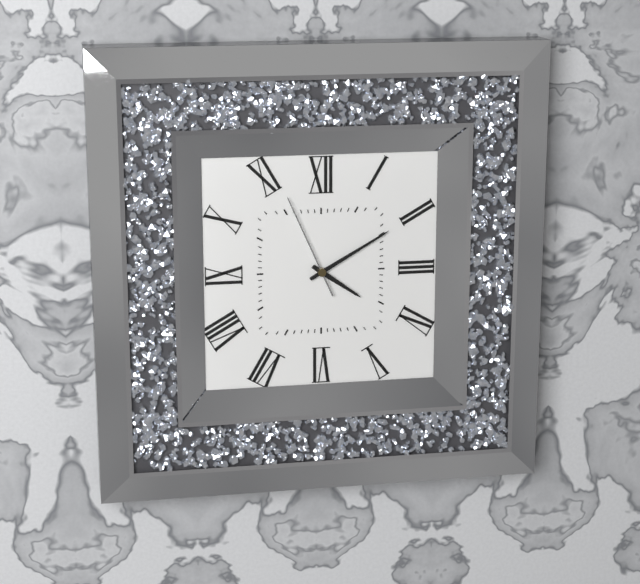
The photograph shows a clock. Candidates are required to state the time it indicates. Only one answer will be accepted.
4:10:56
